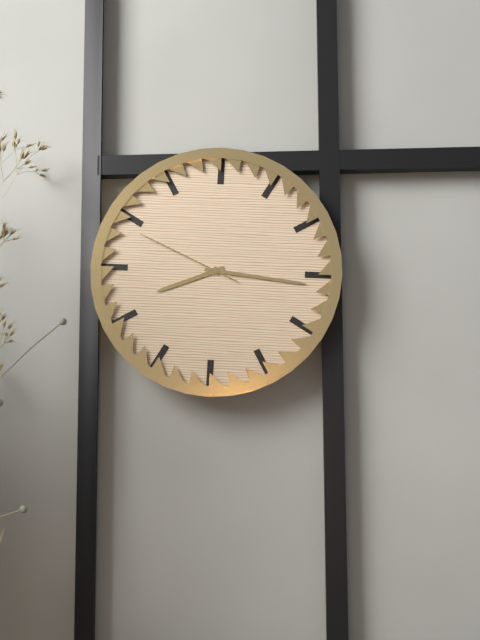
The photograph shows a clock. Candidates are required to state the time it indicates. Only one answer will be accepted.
8:16:49
